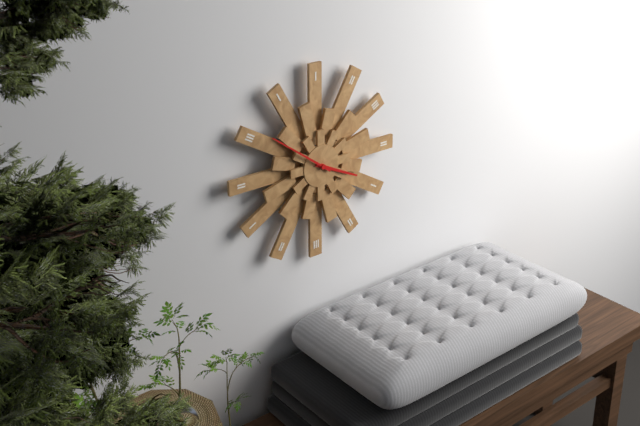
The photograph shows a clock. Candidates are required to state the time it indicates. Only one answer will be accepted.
3:51
